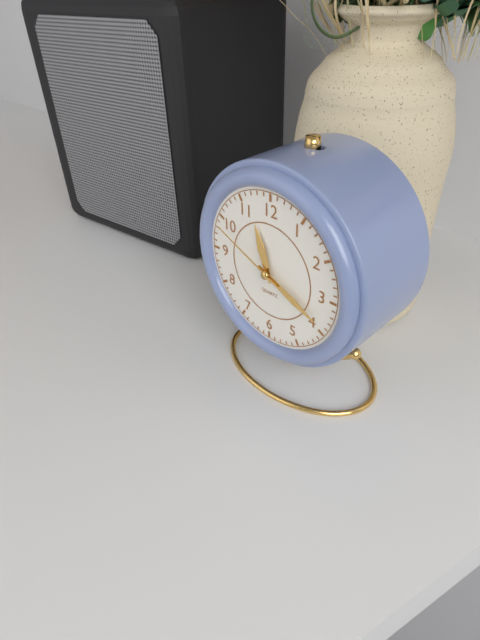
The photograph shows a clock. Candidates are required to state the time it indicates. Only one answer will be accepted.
11:19:49
